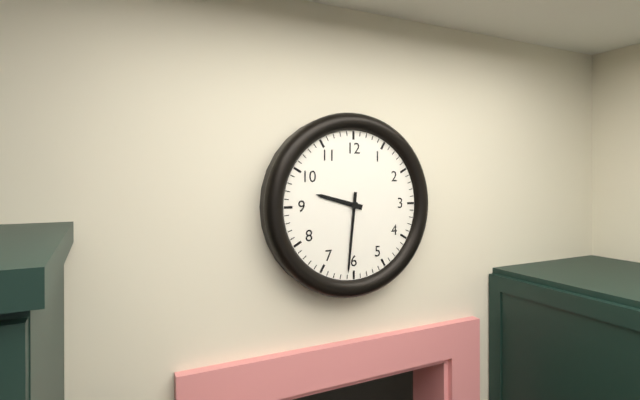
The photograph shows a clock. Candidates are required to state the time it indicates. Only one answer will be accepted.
9:31
